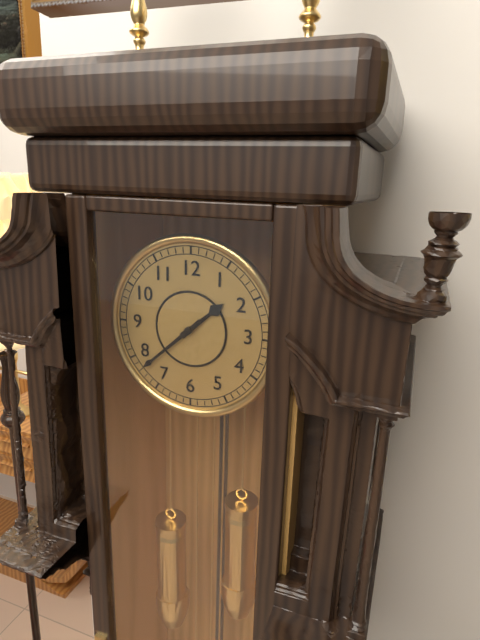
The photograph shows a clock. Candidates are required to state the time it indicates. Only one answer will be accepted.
1:38
